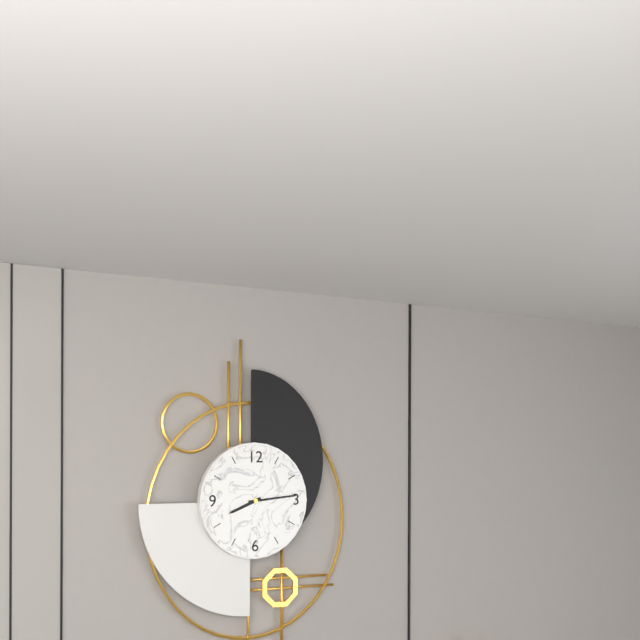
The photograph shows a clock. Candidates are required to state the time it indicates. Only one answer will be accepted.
8:14
